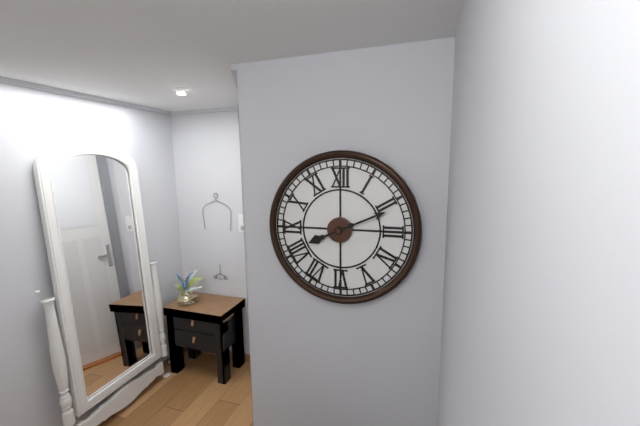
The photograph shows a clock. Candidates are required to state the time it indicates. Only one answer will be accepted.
8:11
